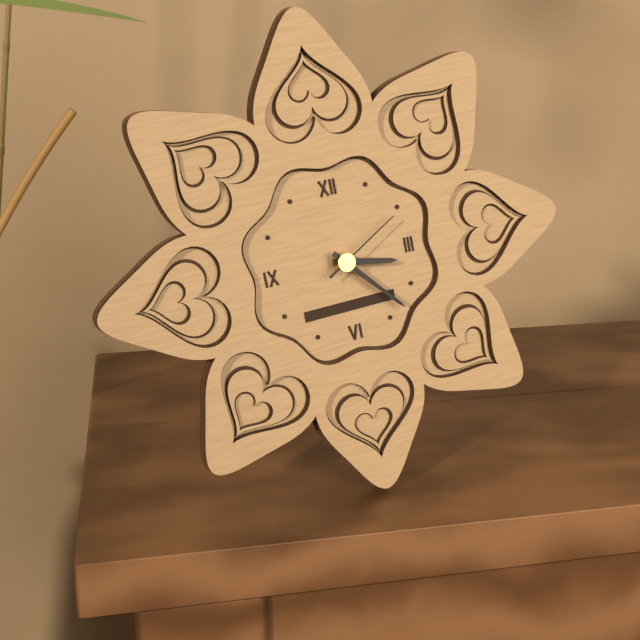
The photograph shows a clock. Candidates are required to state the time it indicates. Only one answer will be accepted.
3:23:10
